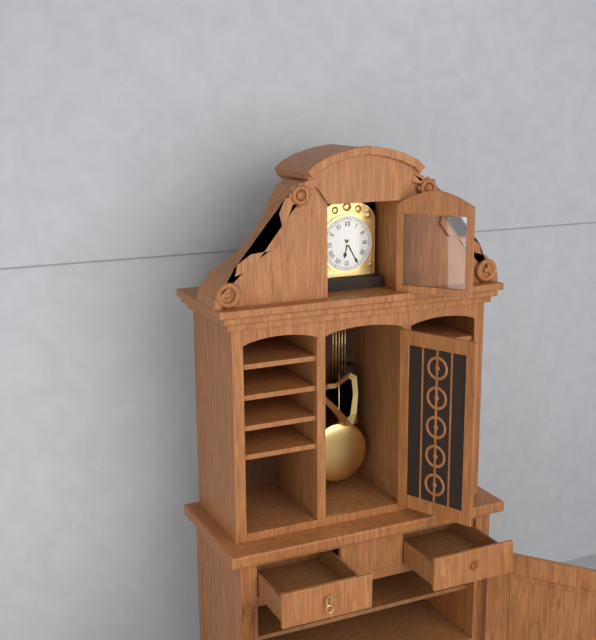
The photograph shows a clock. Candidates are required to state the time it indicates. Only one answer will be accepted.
6:25
